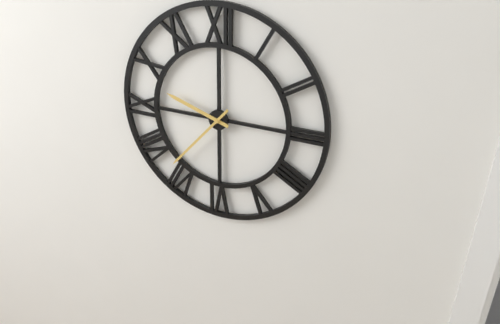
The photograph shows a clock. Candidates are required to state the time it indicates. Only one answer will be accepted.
9:37
